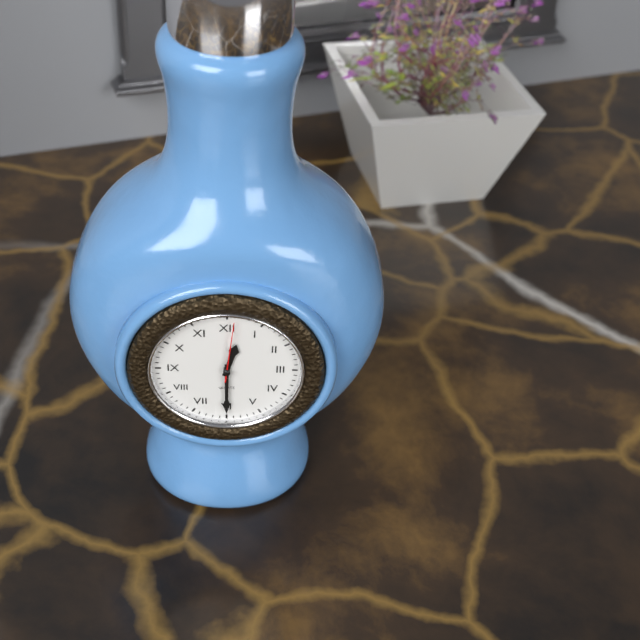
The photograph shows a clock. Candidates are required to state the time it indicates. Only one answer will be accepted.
12:30:01
